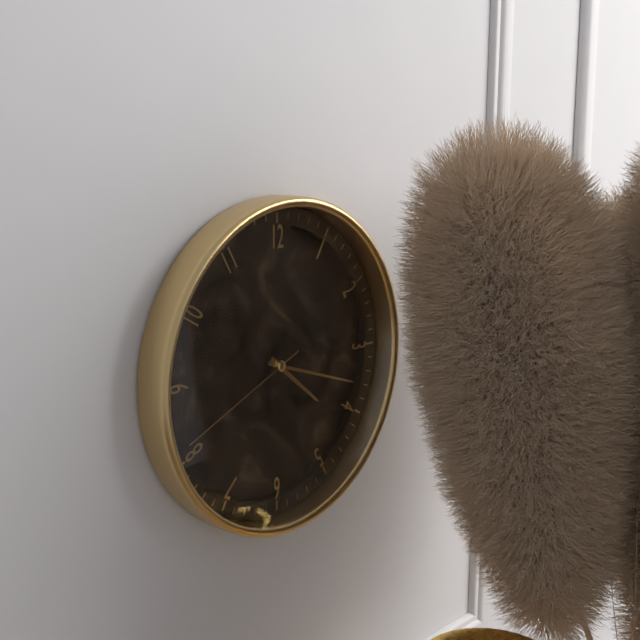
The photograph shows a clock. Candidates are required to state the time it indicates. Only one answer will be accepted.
4:18:41
